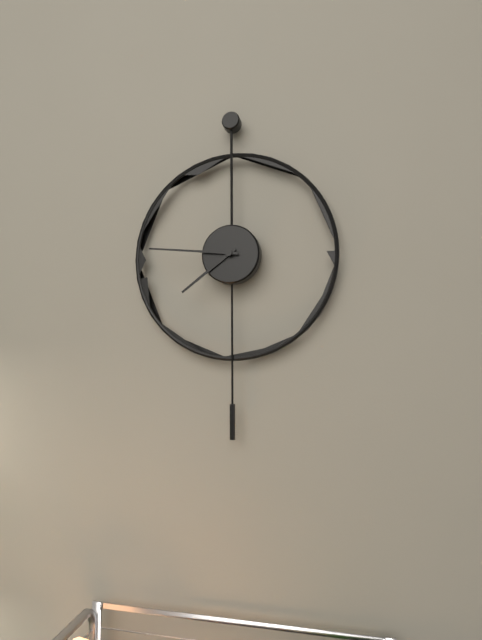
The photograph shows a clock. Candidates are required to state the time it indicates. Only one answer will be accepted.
7:46
